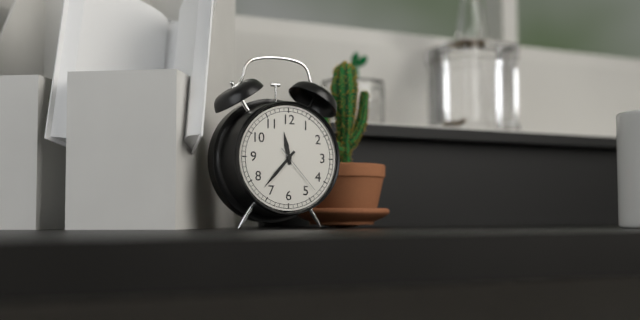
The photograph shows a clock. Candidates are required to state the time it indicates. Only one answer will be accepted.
11:37:23
